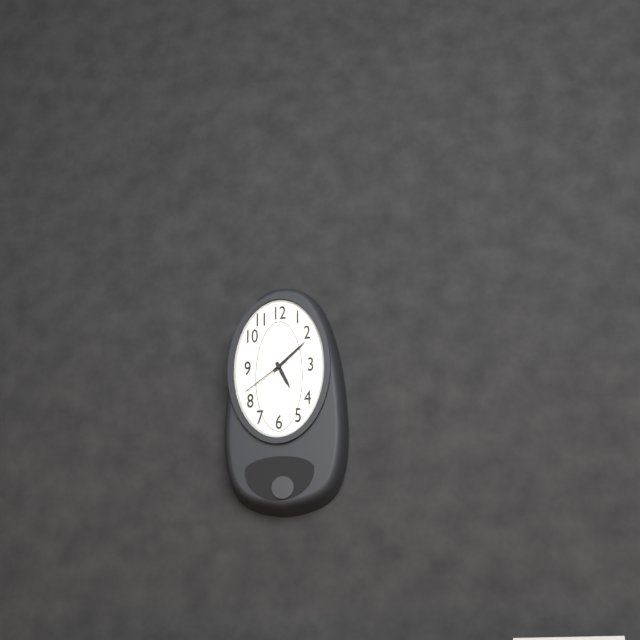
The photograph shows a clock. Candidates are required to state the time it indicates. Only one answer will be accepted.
5:08:39
